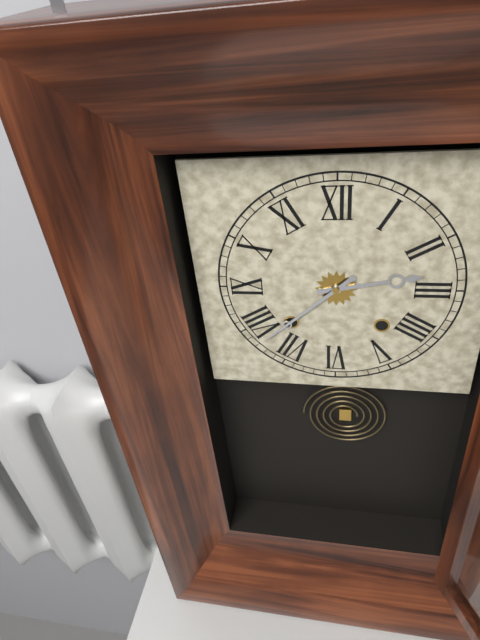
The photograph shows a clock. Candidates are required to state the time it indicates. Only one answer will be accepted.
2:38
